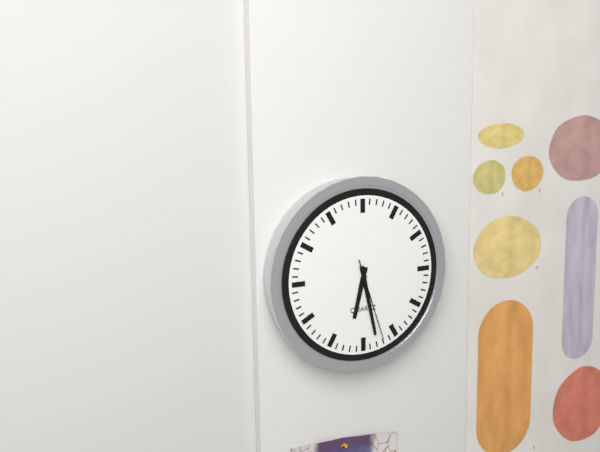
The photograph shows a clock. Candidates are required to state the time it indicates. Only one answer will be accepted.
6:28:27
